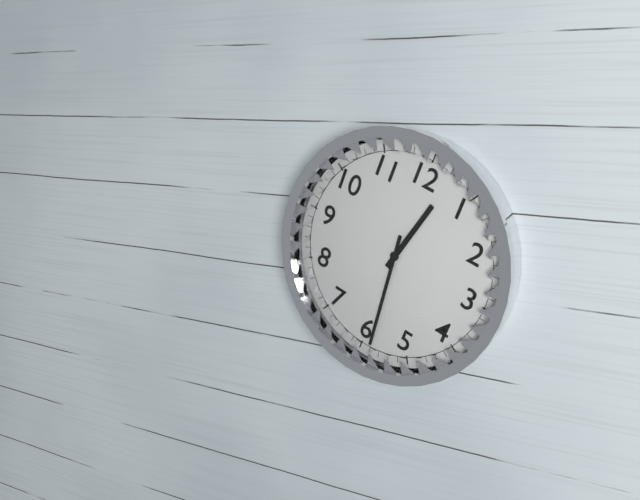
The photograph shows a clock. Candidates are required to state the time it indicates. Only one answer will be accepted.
12:29
